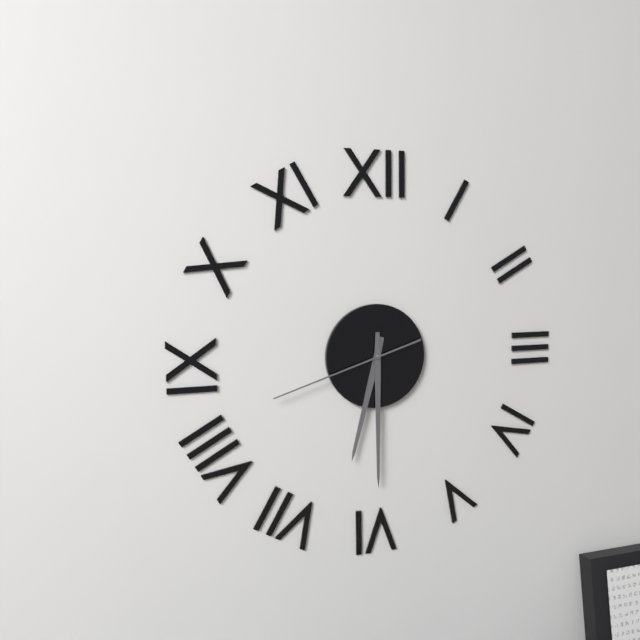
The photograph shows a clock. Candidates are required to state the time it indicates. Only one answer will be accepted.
6:30:42
